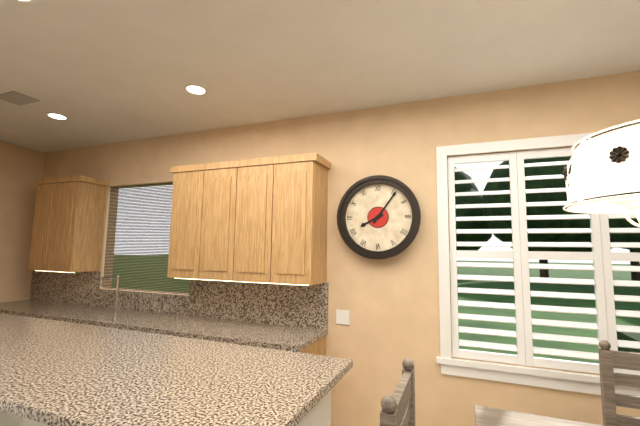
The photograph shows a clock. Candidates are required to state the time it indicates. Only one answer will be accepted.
8:06
